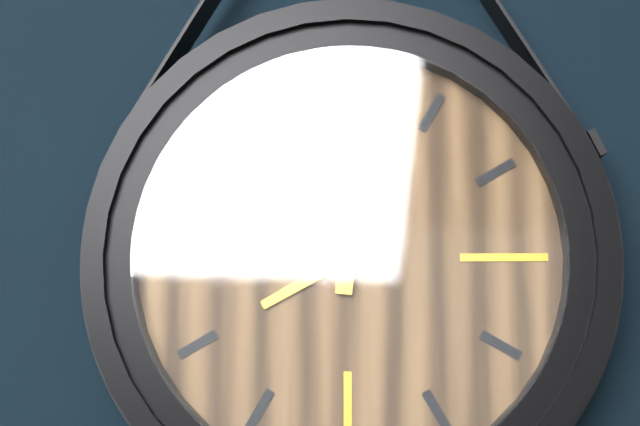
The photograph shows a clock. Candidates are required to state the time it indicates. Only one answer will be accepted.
8:01
